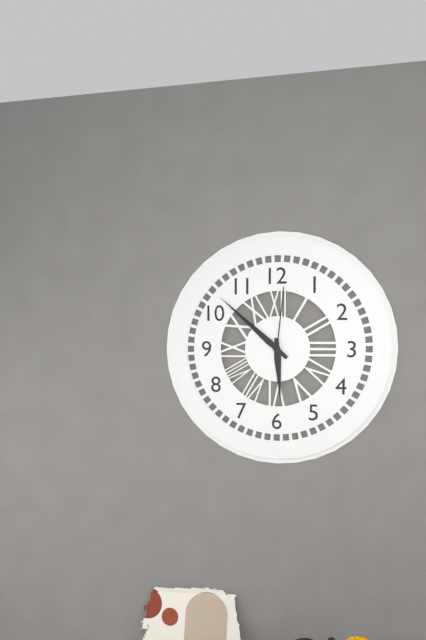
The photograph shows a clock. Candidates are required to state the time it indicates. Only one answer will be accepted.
5:52:01
